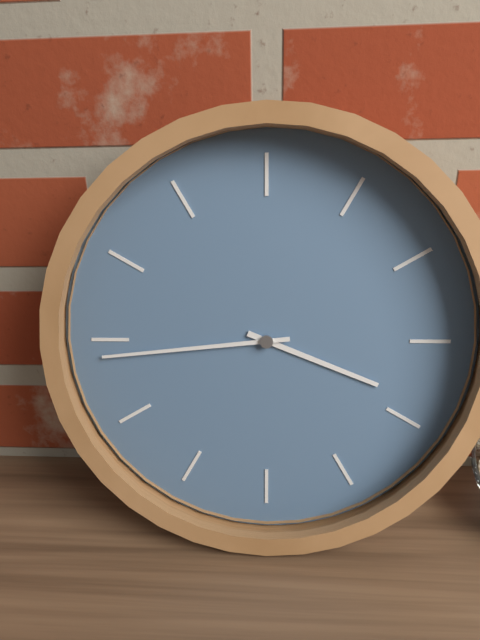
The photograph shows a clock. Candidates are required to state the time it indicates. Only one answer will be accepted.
3:44
